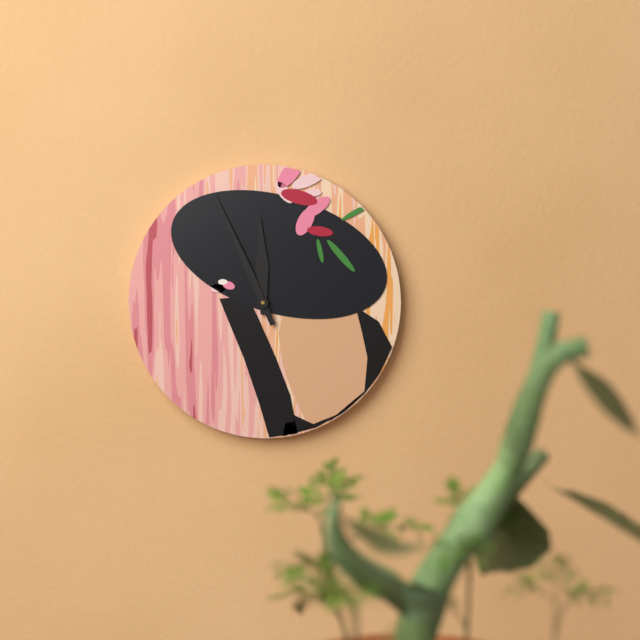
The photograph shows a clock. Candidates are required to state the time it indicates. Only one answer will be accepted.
11:56
